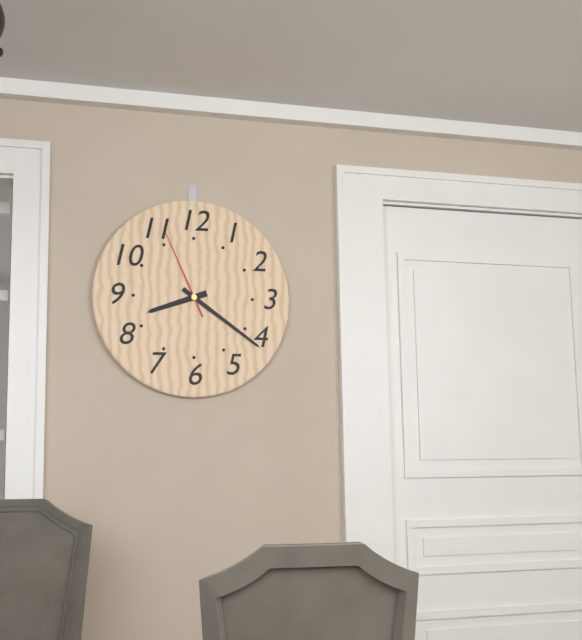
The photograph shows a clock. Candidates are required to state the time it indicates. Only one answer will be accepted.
8:21:56
